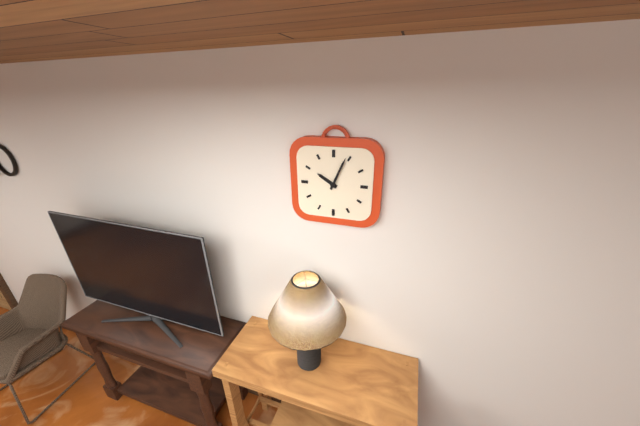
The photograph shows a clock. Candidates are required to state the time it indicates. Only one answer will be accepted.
10:04
